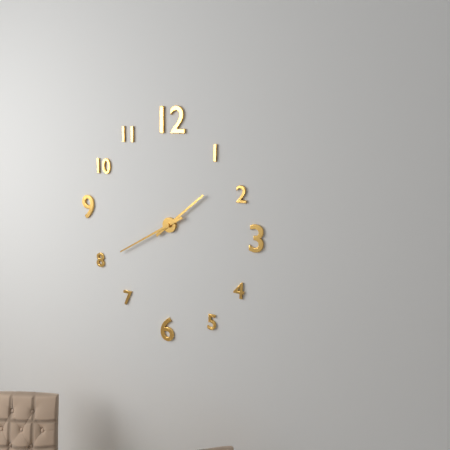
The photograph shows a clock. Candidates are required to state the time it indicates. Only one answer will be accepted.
1:40
